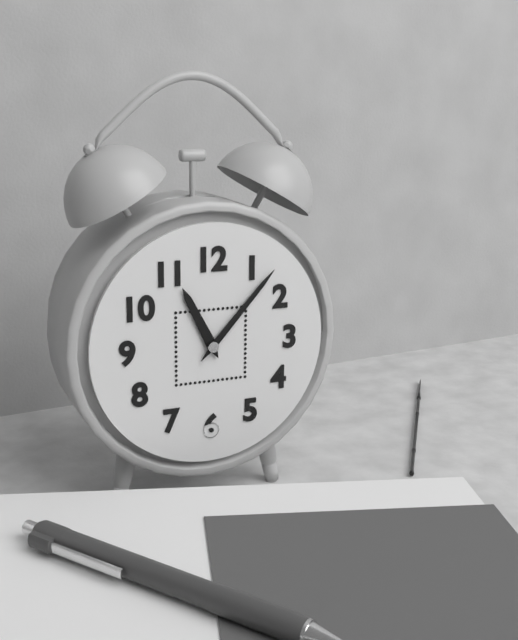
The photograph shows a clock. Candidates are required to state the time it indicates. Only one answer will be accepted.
11:07
